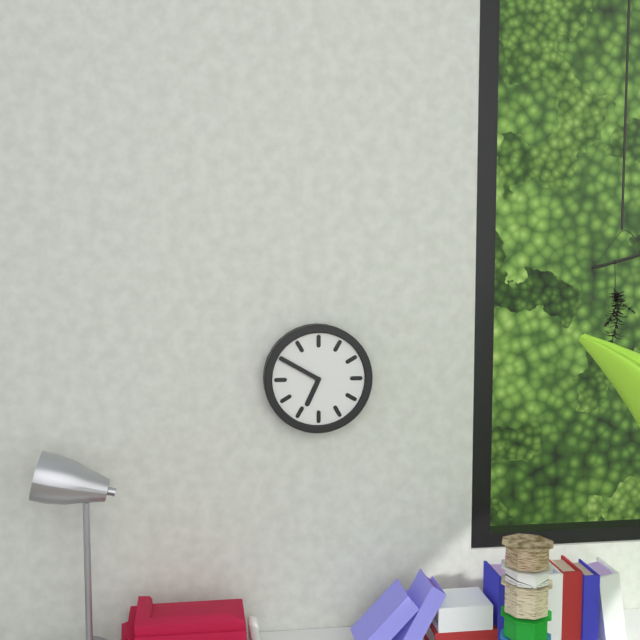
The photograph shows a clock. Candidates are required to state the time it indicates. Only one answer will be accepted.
6:50
